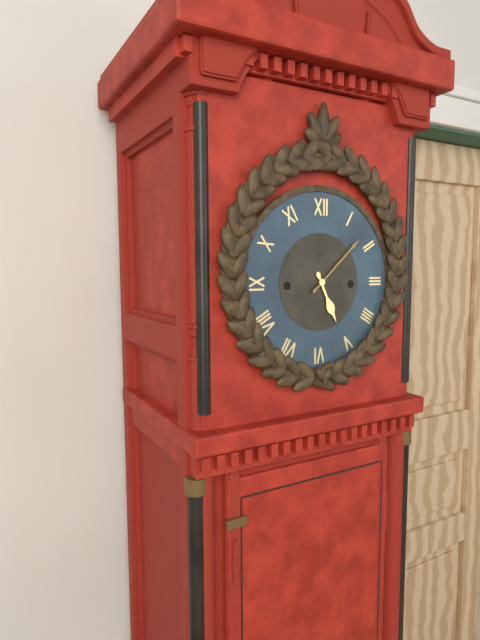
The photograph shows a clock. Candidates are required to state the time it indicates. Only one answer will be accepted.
5:08
